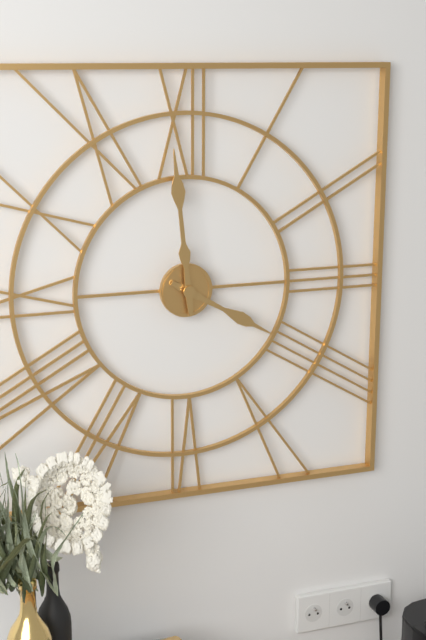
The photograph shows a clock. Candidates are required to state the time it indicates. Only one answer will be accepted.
3:59
